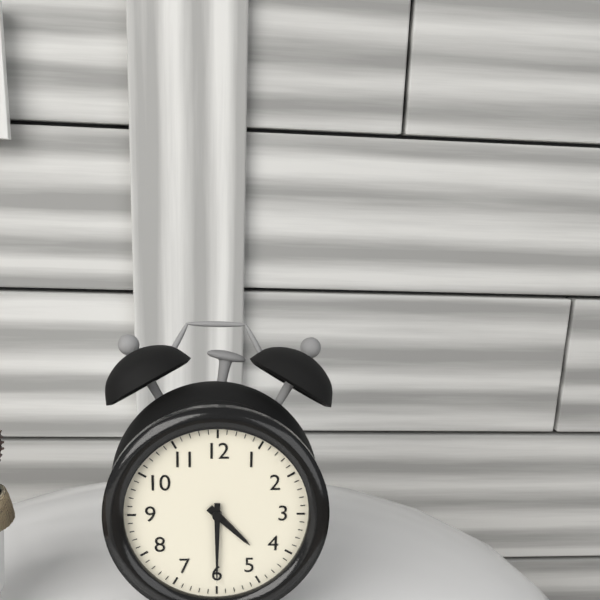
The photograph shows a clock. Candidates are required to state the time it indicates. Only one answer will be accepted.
4:30
